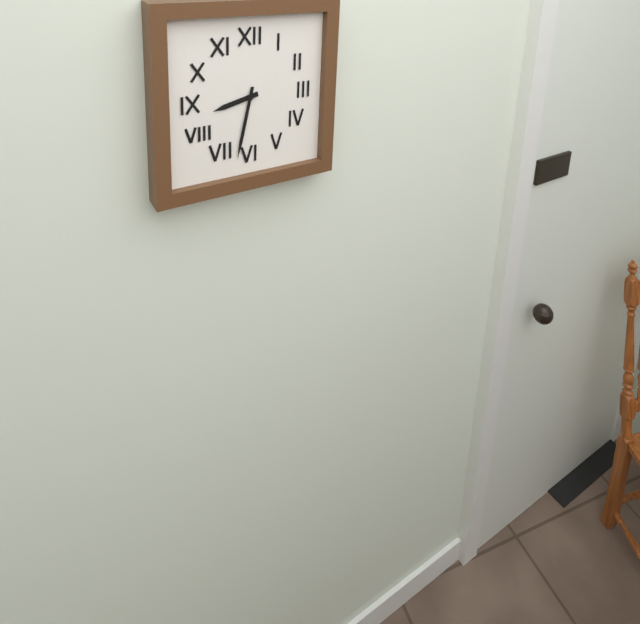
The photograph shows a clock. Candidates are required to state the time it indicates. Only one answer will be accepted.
8:32
